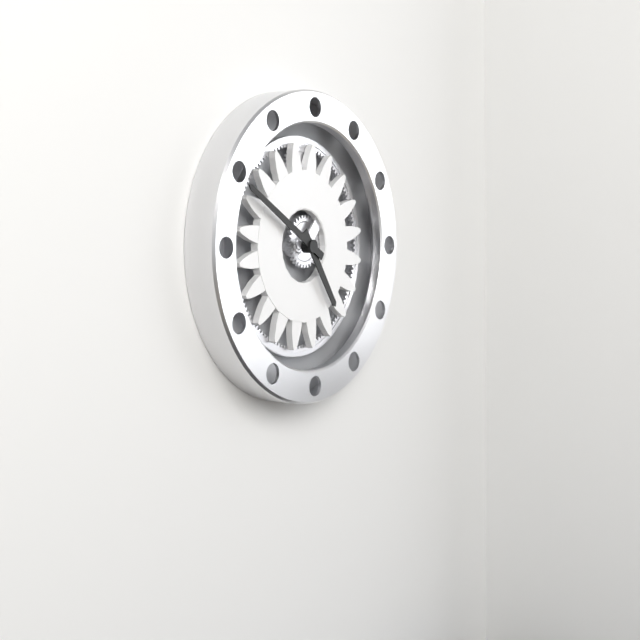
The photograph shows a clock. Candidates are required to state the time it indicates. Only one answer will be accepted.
4:50
